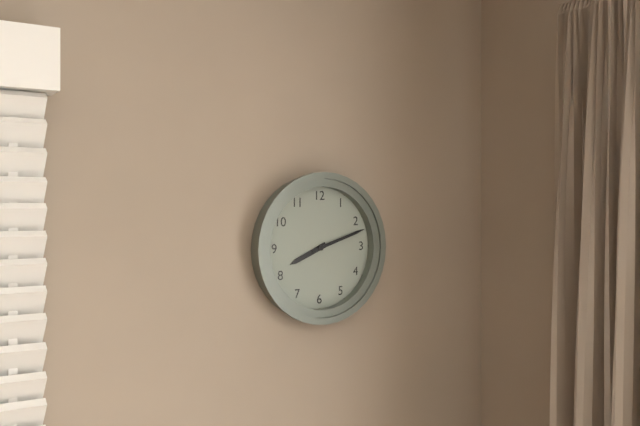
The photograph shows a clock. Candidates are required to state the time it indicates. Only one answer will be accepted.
8:12
